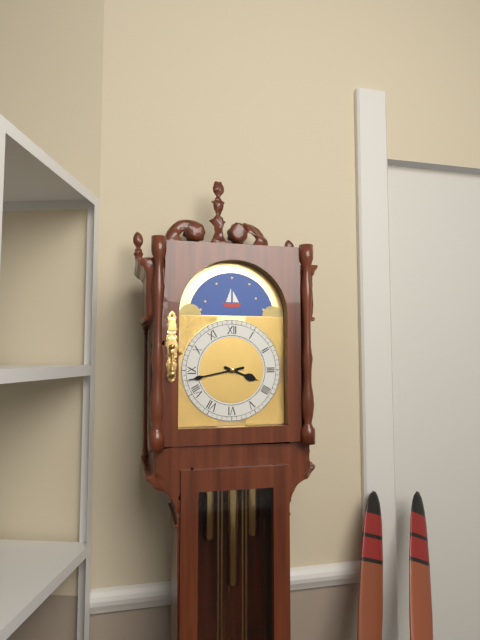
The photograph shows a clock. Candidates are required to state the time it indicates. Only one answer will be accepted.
3:43
